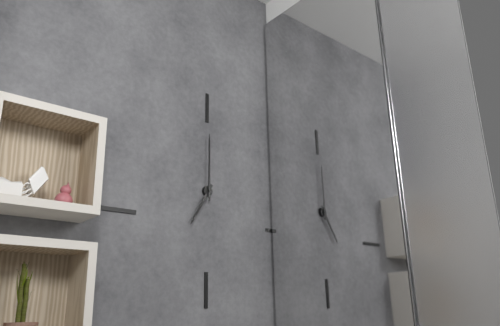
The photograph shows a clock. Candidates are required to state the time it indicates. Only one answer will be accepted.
7:00
